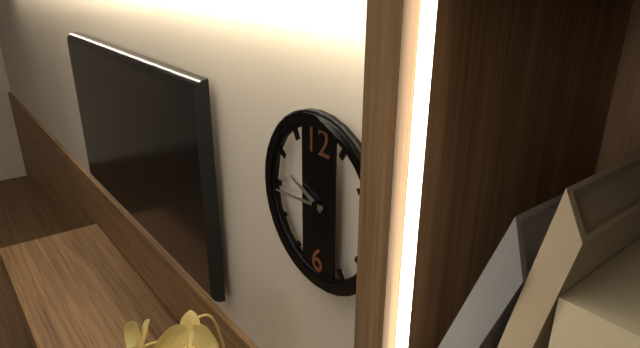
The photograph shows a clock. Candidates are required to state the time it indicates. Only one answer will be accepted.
9:44
